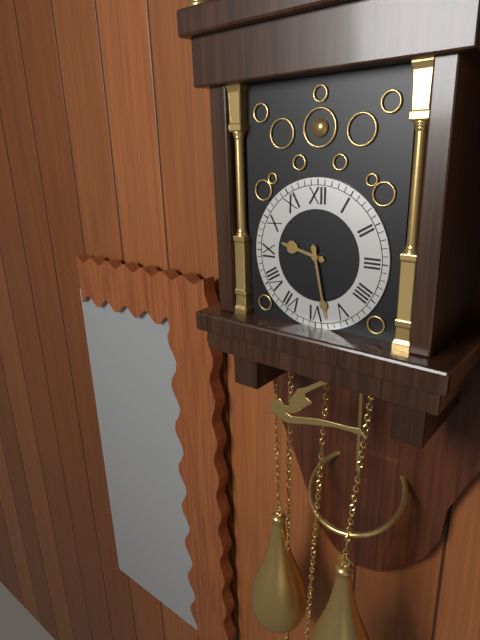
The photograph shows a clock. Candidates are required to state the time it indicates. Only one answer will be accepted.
9:28
